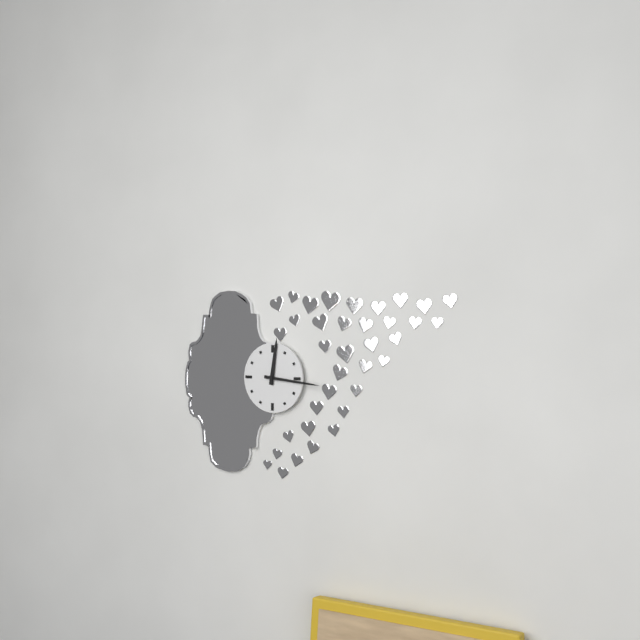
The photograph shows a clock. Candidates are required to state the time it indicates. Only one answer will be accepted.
12:16
